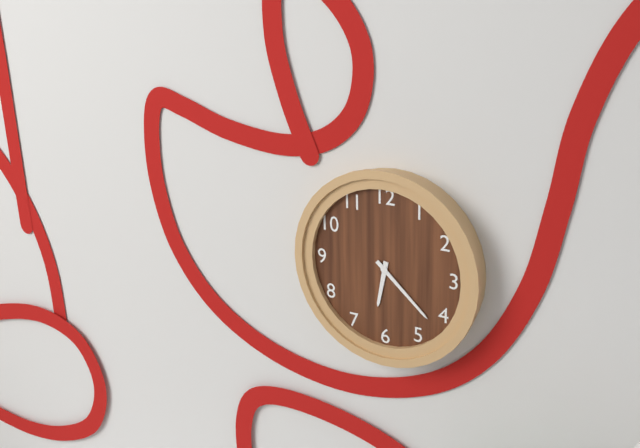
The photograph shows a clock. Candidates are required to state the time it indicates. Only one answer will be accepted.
6:22
